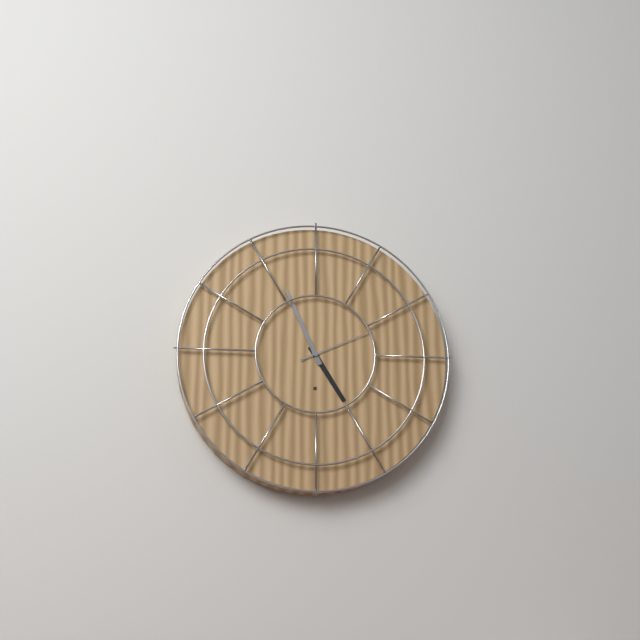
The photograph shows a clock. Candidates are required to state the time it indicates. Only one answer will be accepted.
4:56:11
